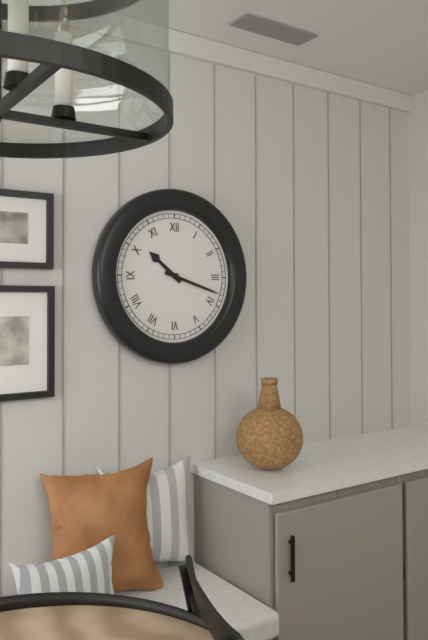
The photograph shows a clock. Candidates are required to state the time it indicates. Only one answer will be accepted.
10:18
